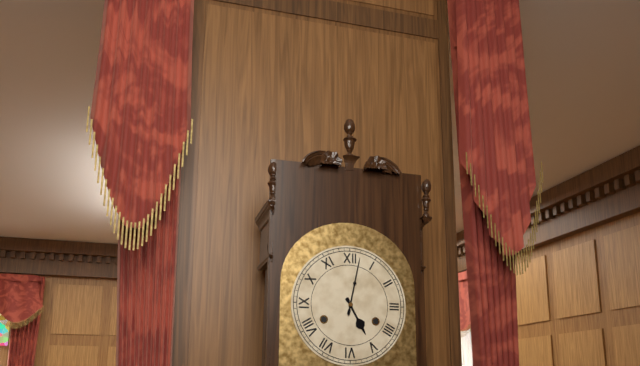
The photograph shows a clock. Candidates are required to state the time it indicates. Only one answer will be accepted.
5:02
